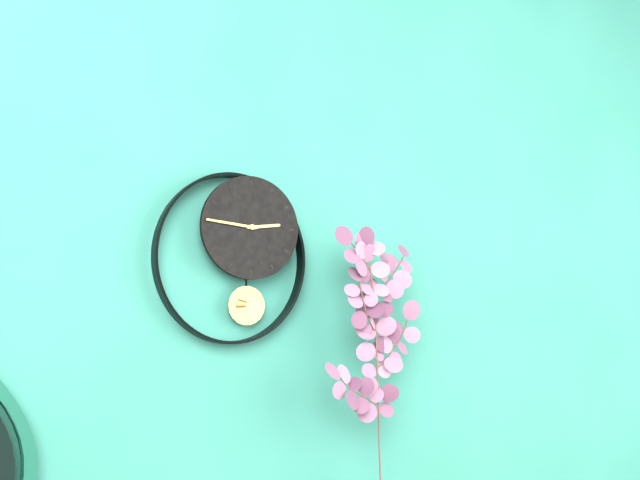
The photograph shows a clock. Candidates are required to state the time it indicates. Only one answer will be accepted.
2:46
